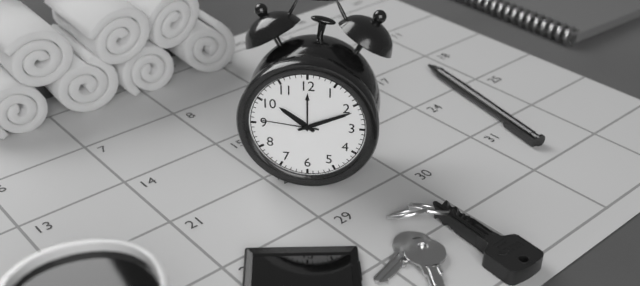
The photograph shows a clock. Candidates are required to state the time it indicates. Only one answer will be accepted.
10:11:46
